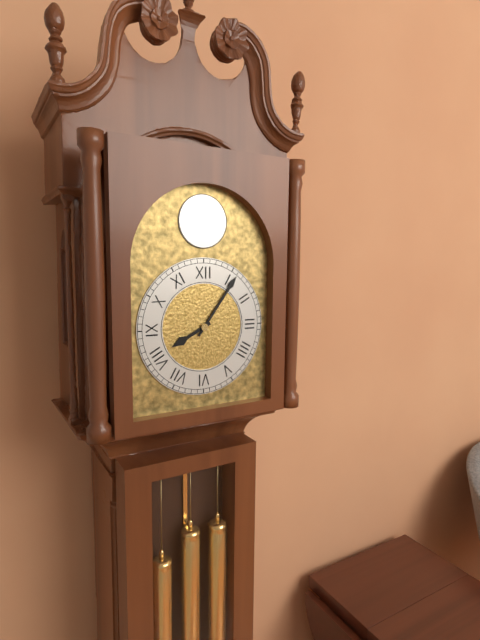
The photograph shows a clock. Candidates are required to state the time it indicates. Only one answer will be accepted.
8:06
